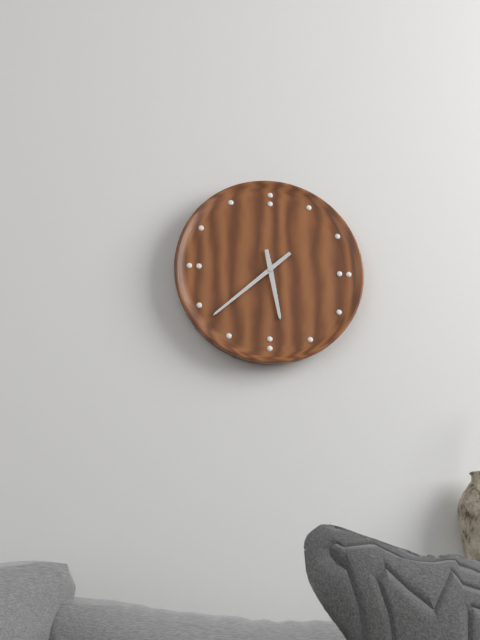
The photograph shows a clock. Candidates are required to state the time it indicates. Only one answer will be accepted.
5:38
